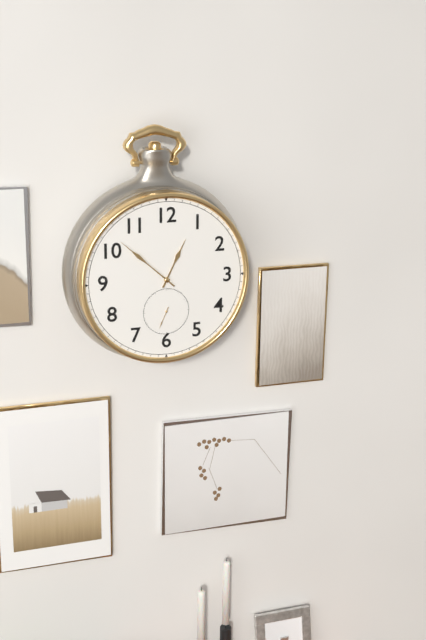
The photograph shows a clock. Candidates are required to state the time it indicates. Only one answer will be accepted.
12:52
